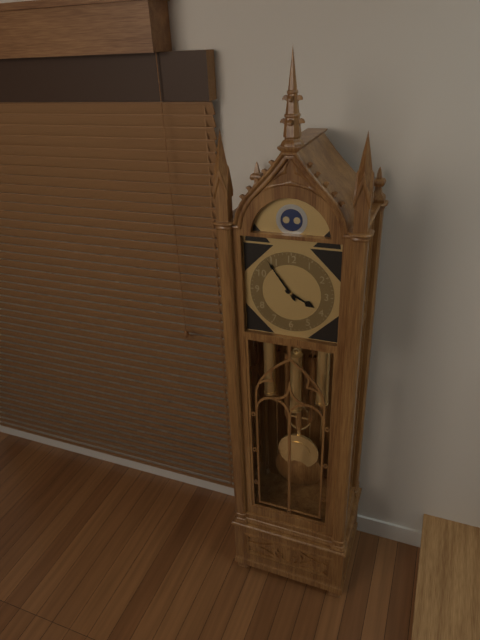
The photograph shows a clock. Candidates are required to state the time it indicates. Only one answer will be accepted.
3:54
